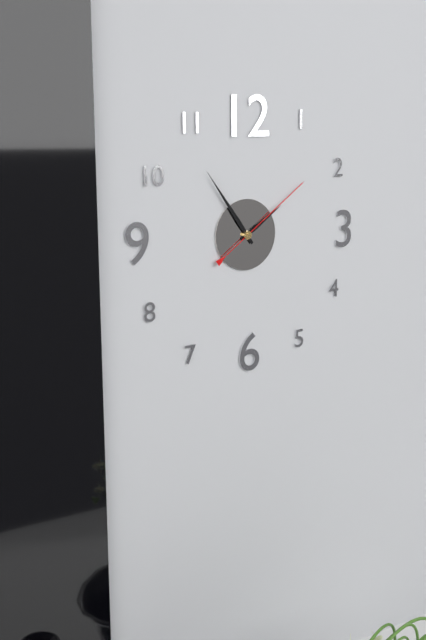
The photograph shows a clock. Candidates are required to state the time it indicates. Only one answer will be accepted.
1:54:09
